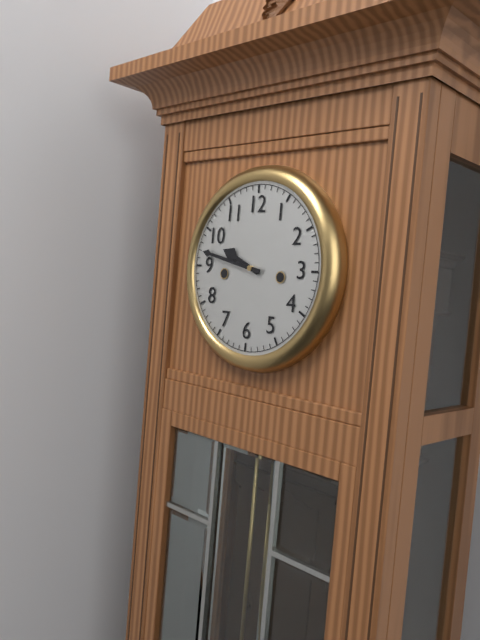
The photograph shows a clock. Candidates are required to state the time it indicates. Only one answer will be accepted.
9:47
